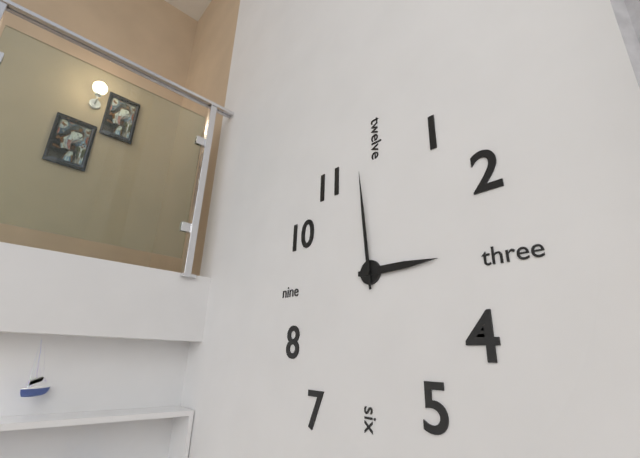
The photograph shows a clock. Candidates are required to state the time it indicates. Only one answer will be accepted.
2:59
